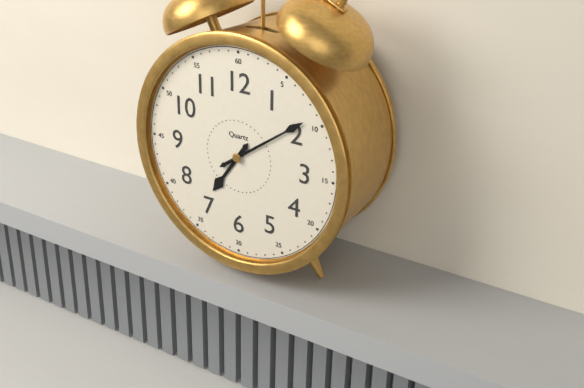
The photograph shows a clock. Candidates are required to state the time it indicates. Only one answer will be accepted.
7:09
